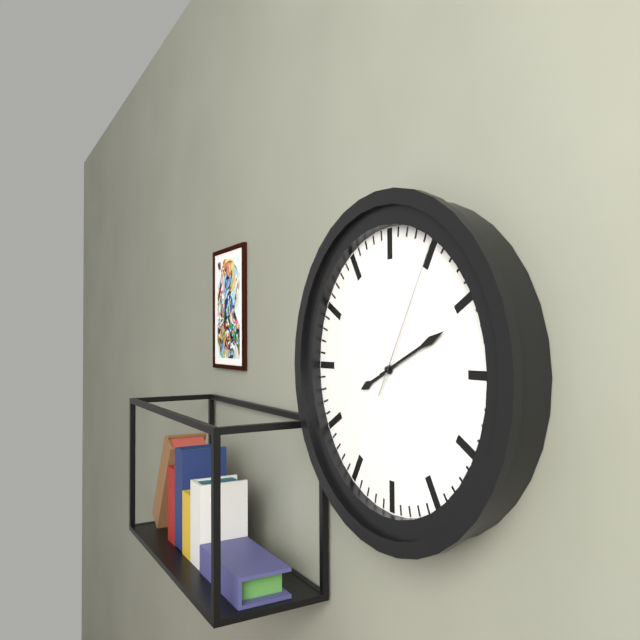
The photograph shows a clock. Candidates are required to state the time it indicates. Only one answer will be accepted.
8:11:05
